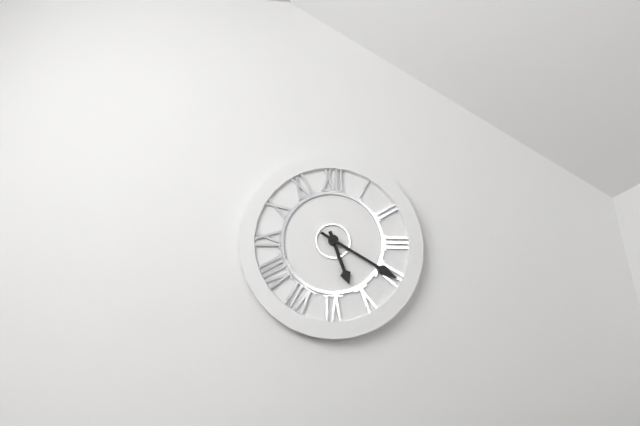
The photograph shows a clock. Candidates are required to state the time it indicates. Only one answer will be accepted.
5:20
